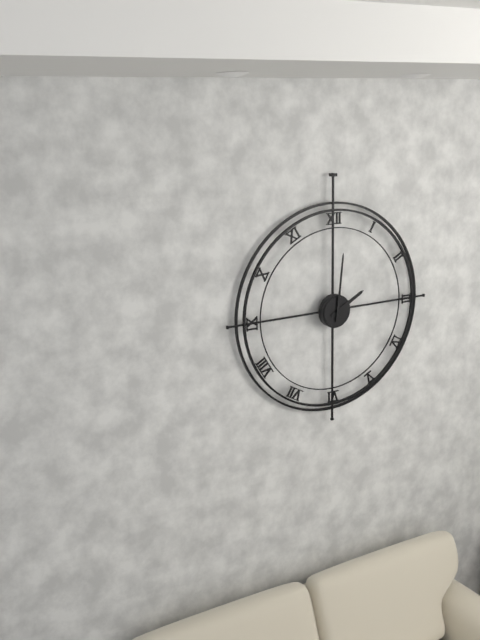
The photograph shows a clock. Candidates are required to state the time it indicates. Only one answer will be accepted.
2:01
